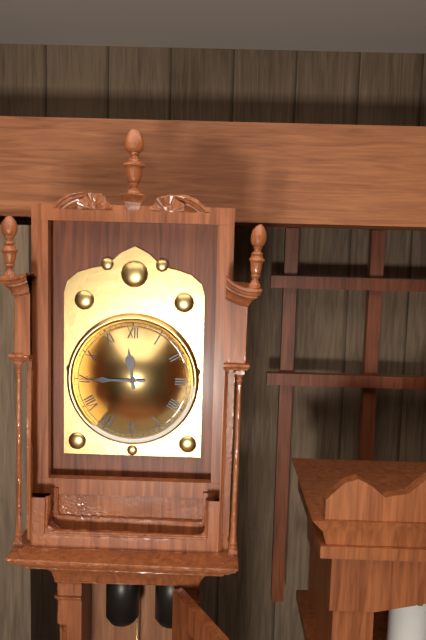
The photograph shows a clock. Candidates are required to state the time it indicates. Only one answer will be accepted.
11:45
